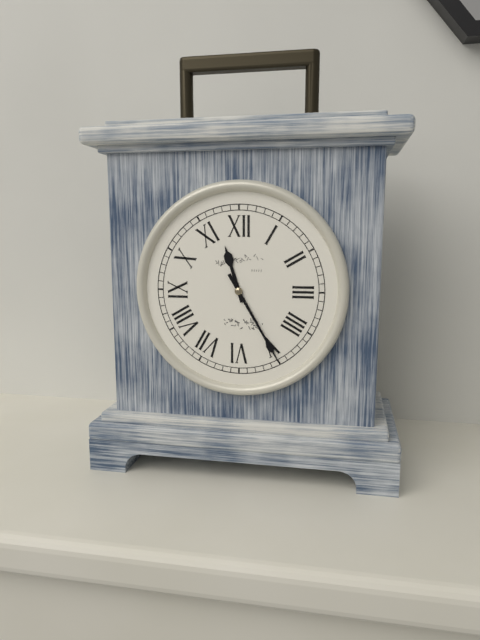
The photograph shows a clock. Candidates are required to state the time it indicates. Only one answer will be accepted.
11:25
